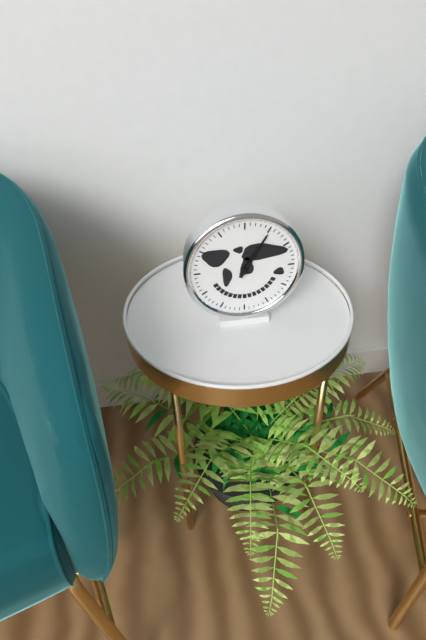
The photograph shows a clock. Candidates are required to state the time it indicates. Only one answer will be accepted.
1:05
